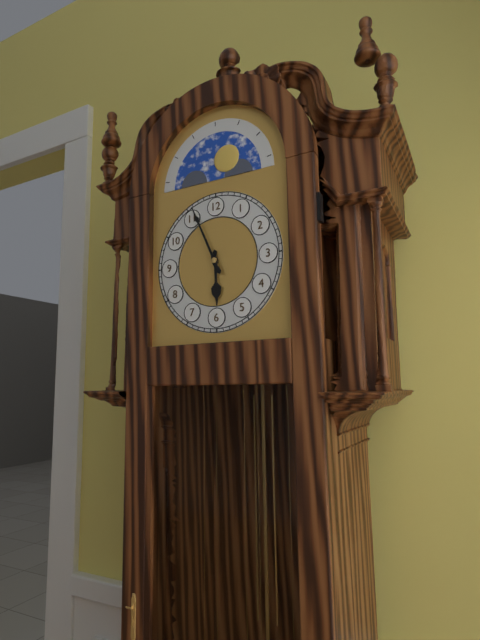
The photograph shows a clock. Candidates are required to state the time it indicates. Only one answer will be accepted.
5:56
